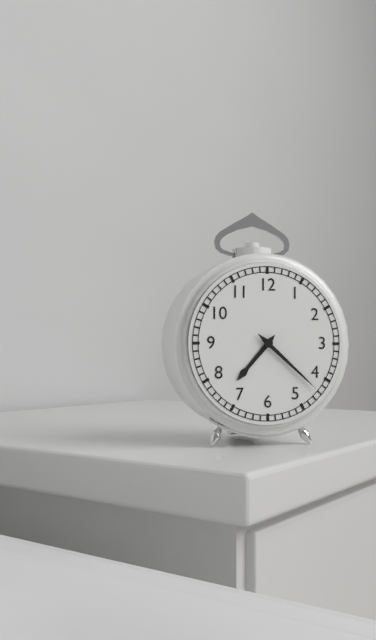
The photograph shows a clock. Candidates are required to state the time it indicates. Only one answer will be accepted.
7:22
